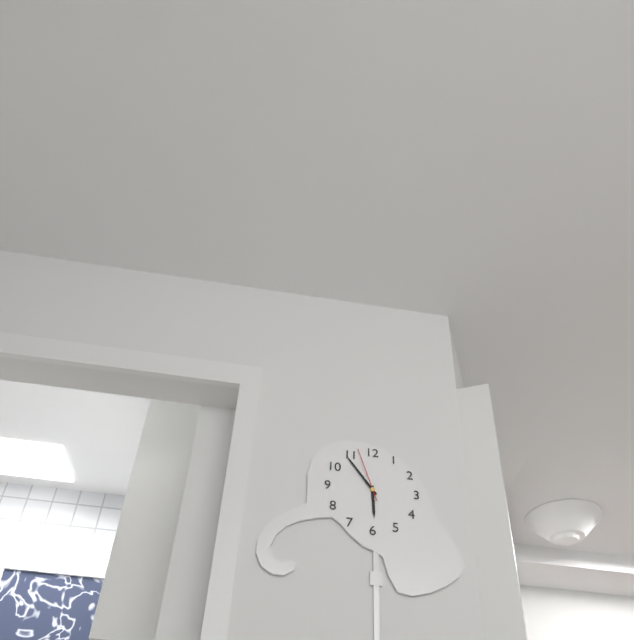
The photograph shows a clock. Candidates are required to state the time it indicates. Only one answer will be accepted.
5:54:57
